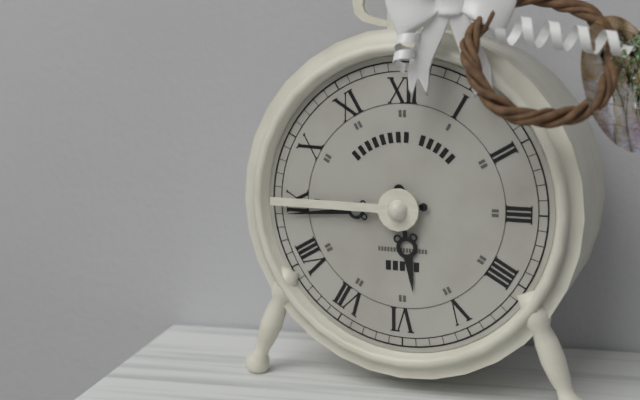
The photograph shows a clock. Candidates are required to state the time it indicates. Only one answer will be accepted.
5:44
